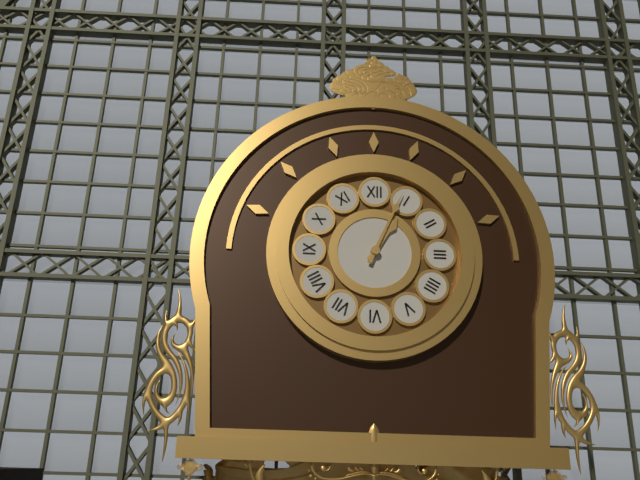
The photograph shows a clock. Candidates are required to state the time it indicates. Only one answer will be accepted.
1:04
